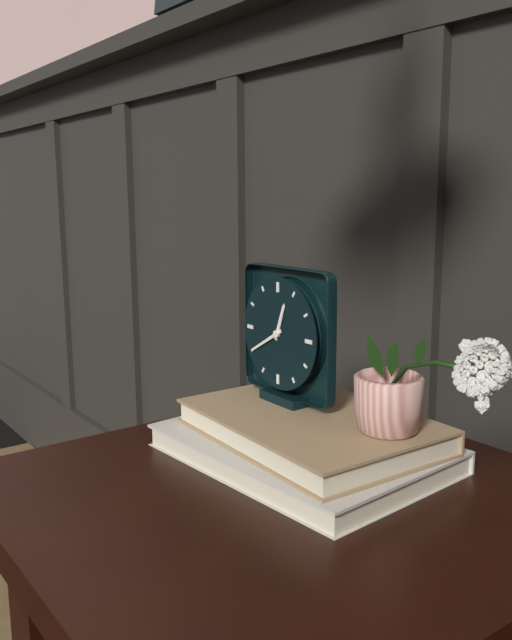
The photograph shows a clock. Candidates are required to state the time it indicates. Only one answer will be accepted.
12:40
